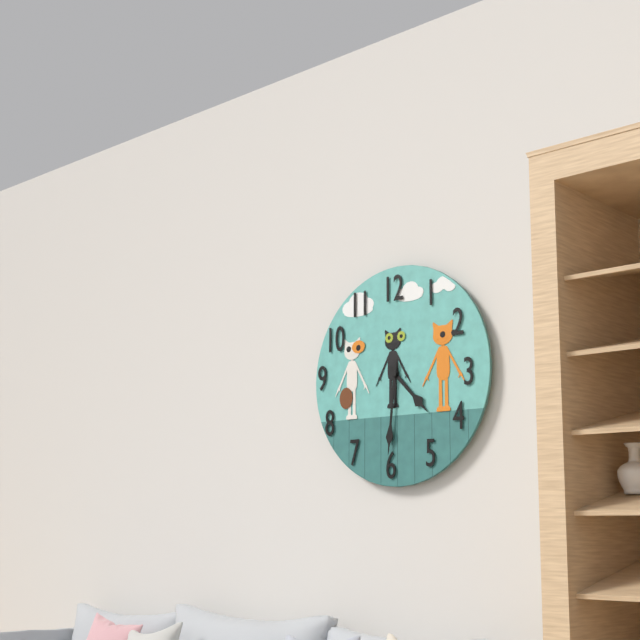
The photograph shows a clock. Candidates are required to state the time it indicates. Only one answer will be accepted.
4:31
